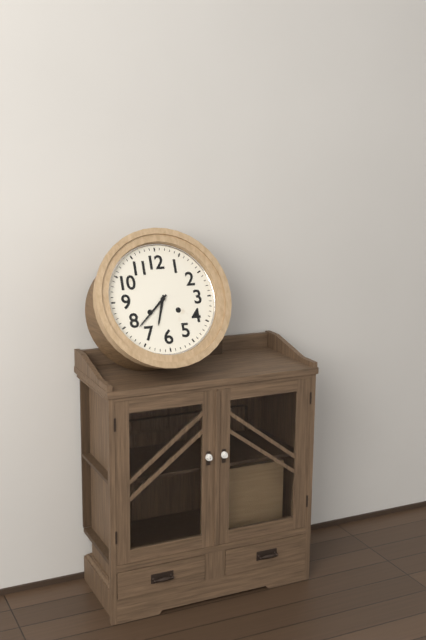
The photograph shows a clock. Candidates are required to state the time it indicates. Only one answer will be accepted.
6:38
